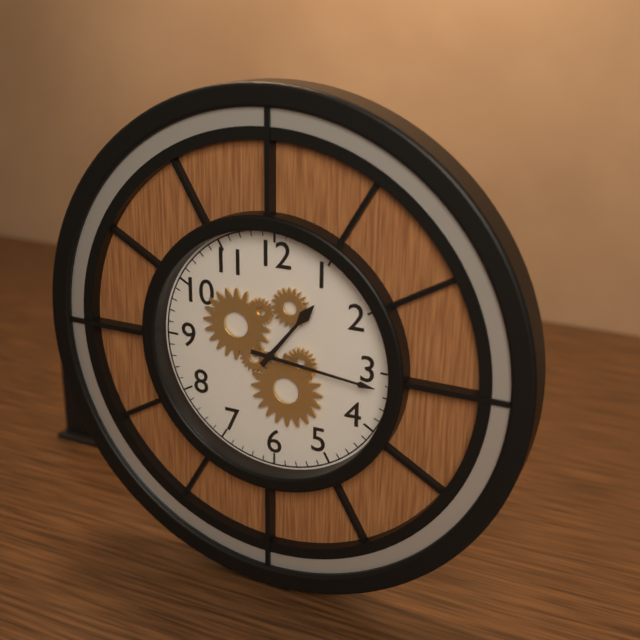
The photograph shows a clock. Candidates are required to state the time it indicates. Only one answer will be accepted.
1:16
